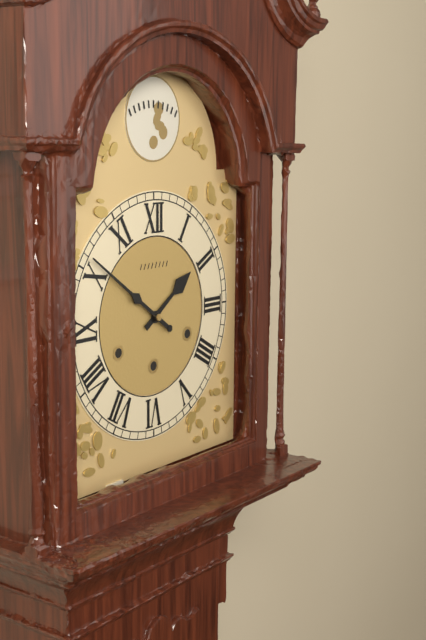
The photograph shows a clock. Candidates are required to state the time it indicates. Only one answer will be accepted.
1:51
